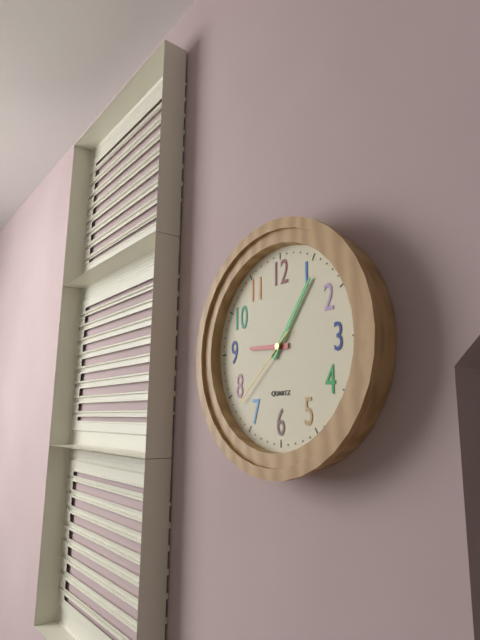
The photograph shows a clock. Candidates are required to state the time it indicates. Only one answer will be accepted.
9:06:38
